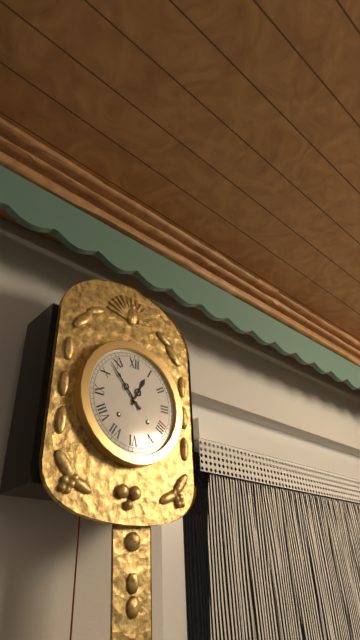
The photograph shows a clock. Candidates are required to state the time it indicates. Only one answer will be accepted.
12:53
